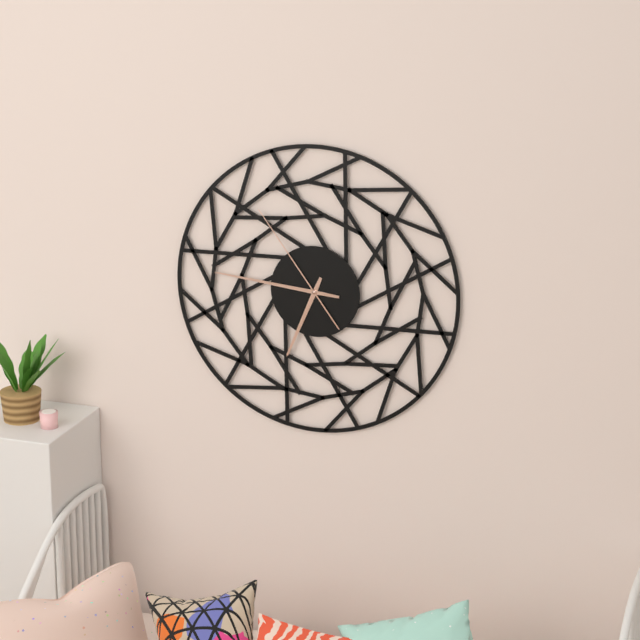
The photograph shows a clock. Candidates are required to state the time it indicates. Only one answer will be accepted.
6:46:54
